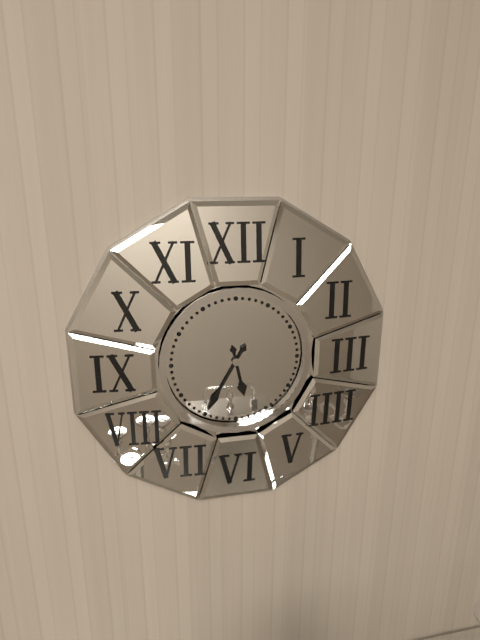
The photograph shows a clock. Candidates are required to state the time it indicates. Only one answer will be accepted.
5:35
